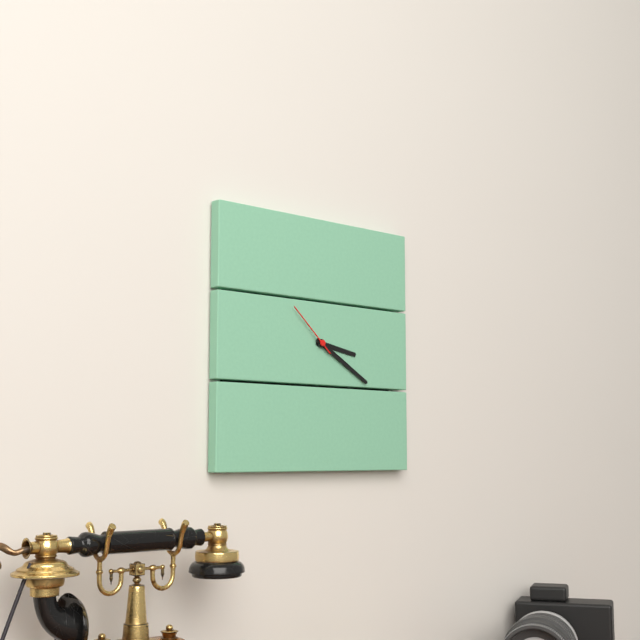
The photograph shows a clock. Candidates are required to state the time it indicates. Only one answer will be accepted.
3:20:52
